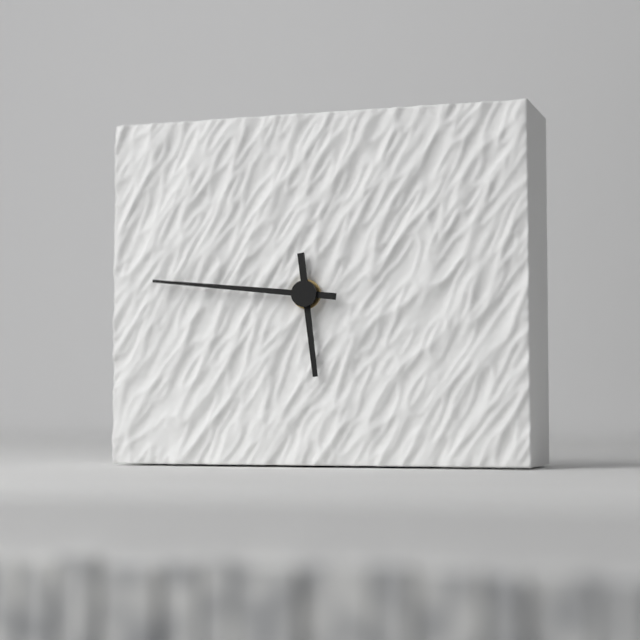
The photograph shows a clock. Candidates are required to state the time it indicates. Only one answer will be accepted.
5:46
